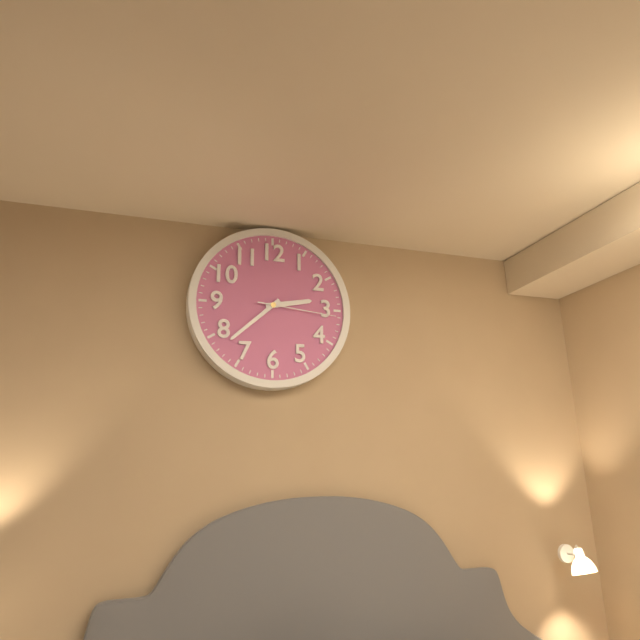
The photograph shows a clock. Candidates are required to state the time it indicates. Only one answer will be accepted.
2:38:16
